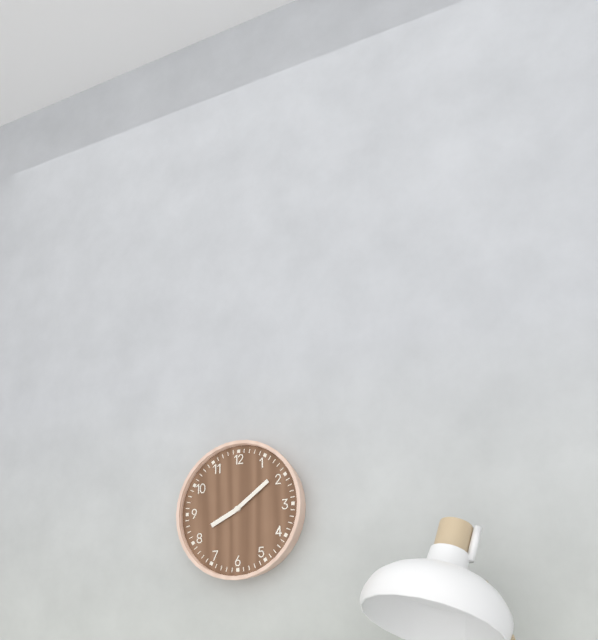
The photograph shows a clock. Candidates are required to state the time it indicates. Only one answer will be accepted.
8:09
